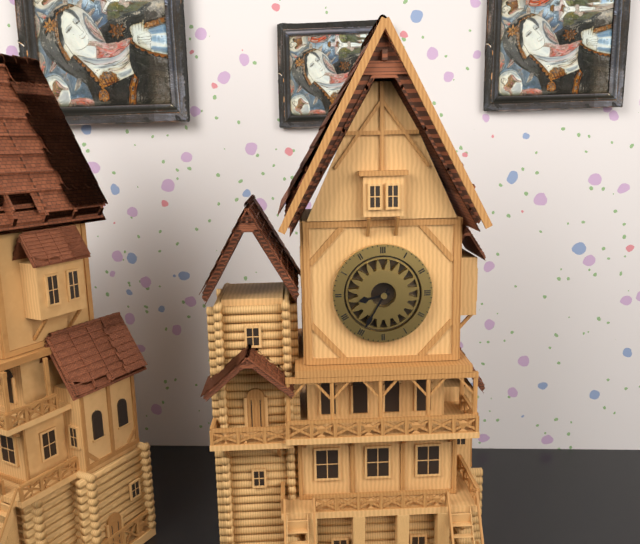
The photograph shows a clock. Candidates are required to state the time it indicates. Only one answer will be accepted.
8:35
